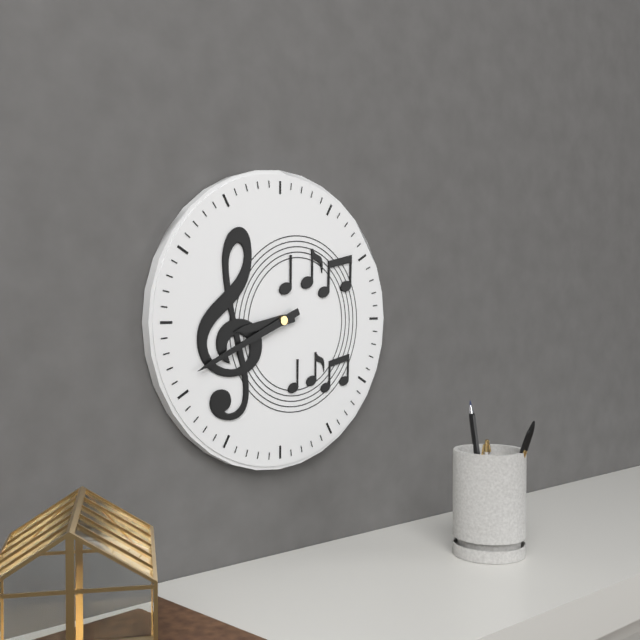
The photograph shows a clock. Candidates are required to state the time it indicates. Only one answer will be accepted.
8:41
